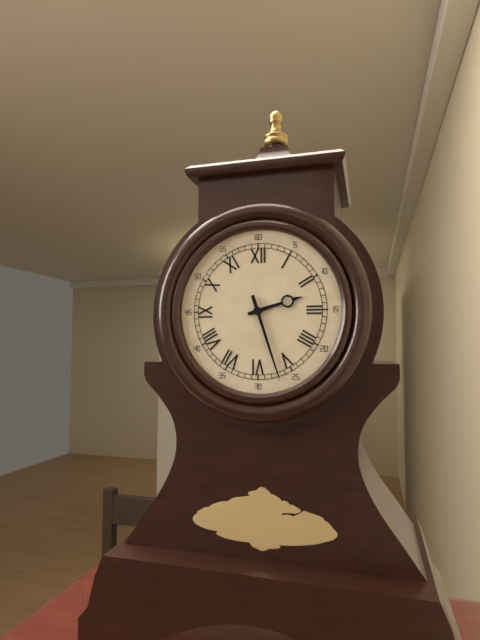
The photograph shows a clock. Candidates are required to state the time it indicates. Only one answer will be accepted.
2:27
